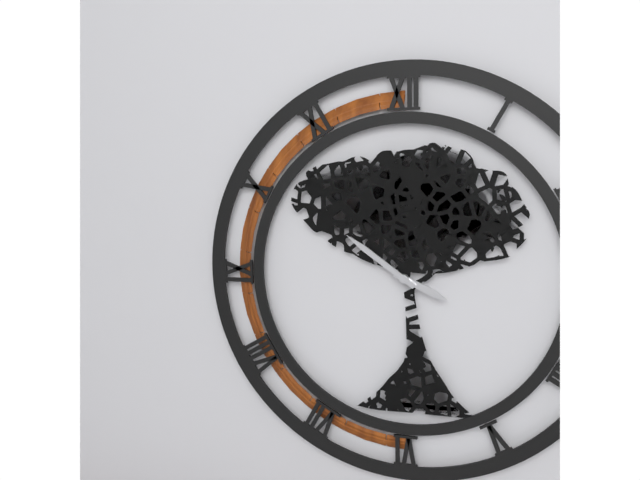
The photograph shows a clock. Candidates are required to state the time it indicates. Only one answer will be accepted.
3:51
